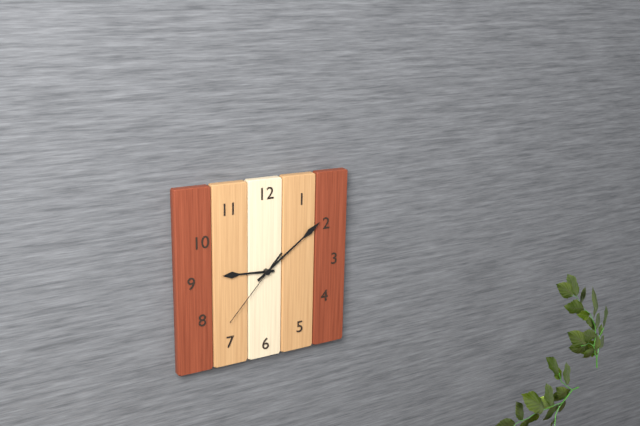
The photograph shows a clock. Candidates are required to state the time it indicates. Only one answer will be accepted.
9:09:37
